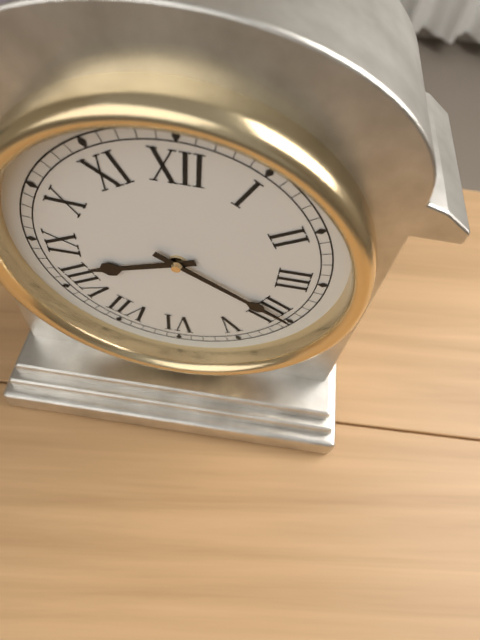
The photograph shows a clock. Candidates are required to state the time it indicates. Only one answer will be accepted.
8:20
